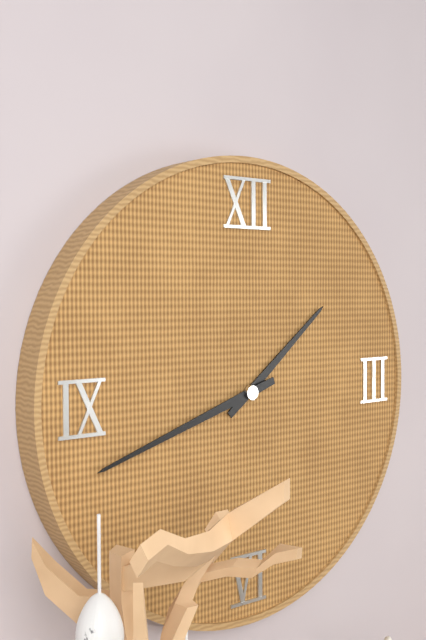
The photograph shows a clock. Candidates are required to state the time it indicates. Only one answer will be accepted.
1:42
